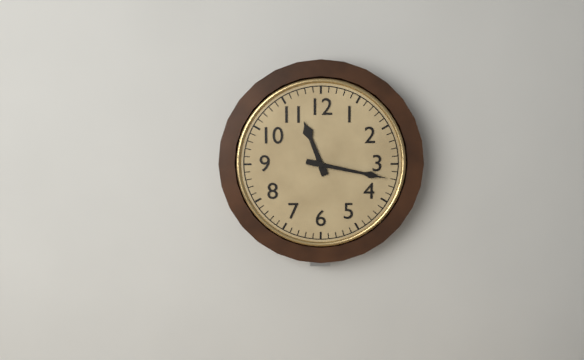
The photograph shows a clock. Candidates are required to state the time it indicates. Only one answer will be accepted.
11:17
